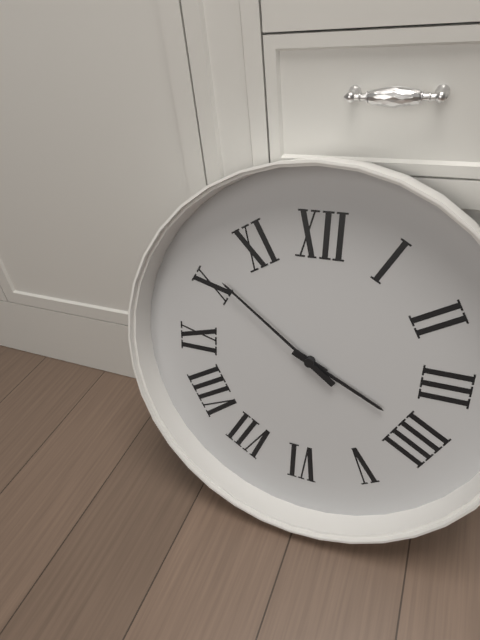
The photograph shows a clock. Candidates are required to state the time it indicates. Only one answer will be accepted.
3:51
